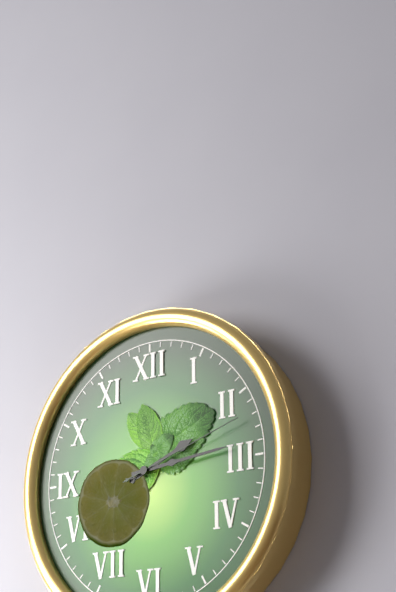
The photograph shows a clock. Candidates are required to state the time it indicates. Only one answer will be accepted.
2:14:12
